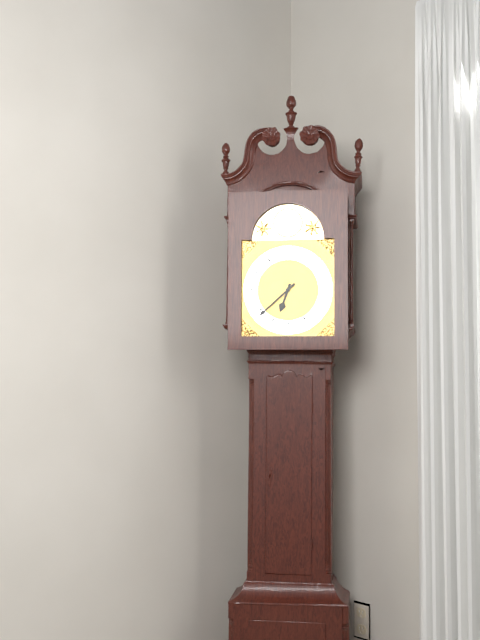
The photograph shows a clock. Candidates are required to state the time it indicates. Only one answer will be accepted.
6:38
